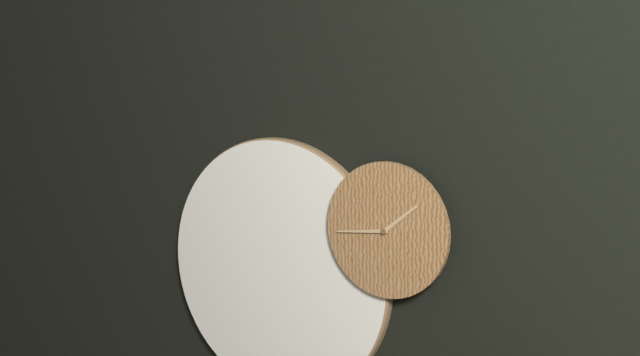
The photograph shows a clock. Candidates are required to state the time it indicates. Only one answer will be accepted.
1:44
